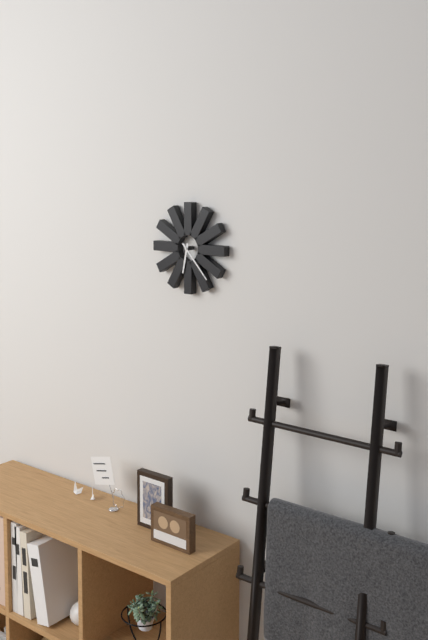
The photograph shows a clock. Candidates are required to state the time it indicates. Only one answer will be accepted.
6:23
